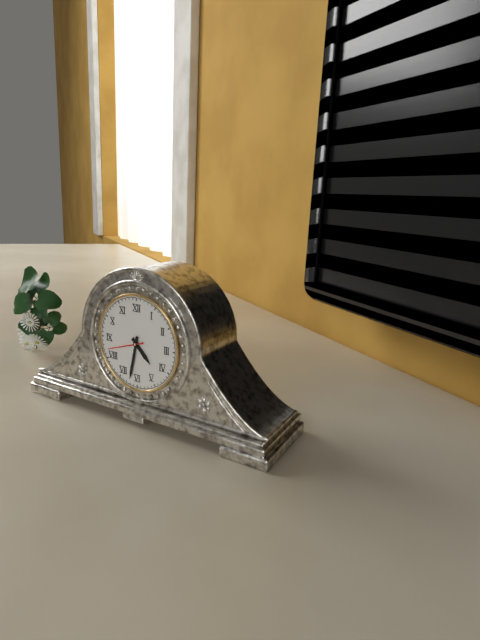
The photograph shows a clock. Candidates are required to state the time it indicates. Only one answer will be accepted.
4:32:42
